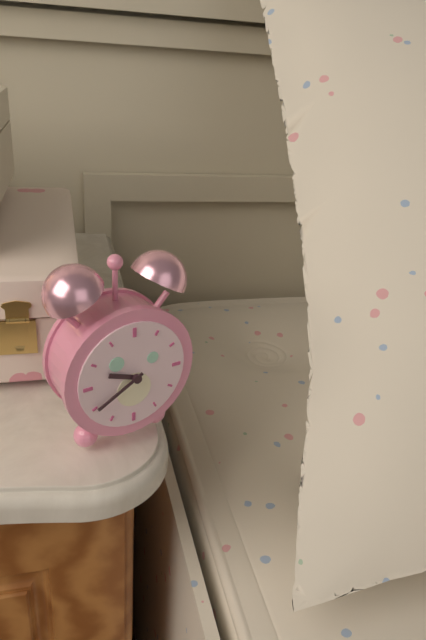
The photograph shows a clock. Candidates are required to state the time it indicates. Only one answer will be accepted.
9:40
